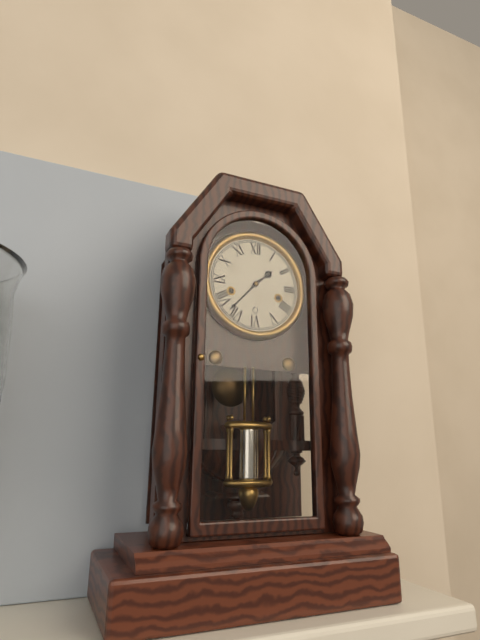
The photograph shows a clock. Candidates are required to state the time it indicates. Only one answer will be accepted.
1:37
